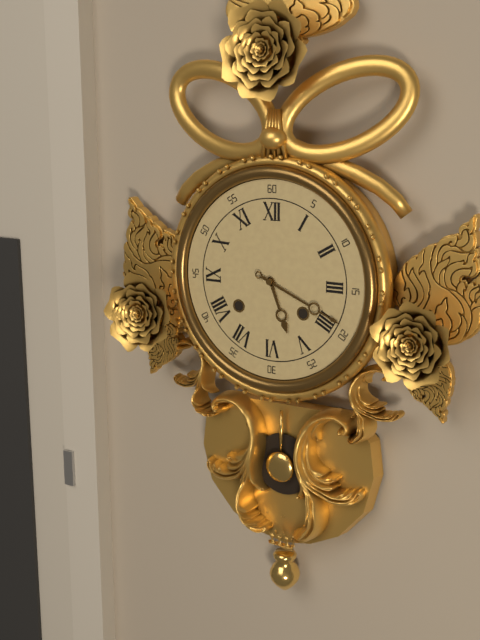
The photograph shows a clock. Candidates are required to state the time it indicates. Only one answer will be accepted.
5:19
